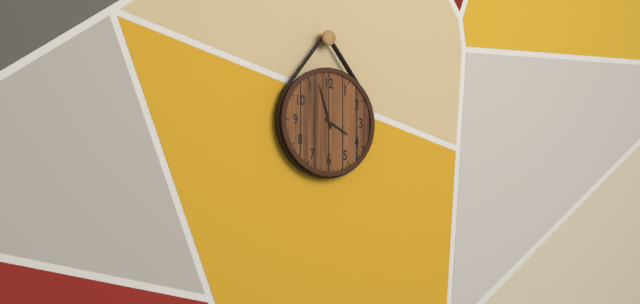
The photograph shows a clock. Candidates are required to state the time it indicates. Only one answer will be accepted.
3:57
